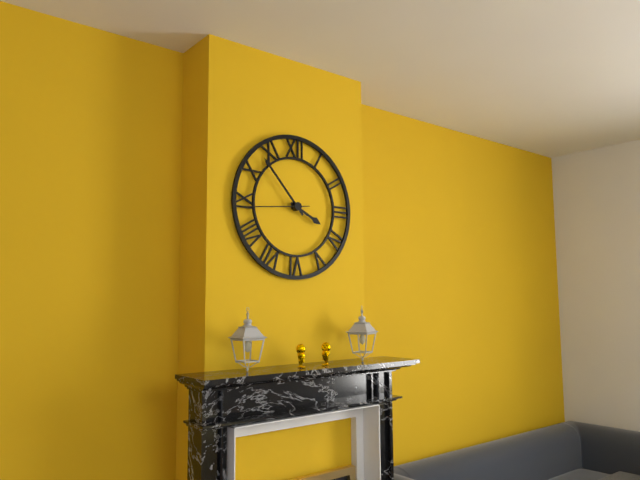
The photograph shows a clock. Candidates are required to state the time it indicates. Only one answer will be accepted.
3:53:44
